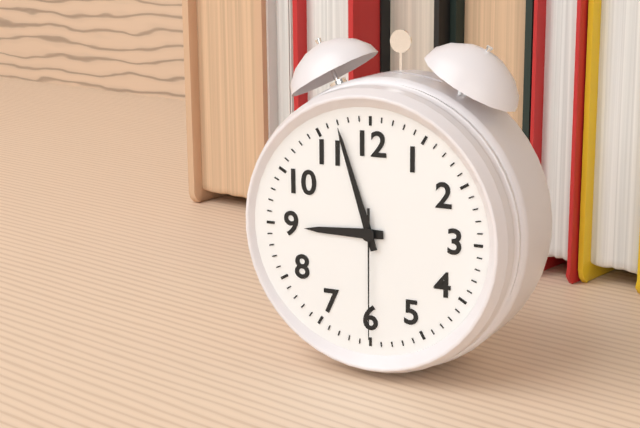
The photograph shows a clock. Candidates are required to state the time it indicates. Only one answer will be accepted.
8:57:30
